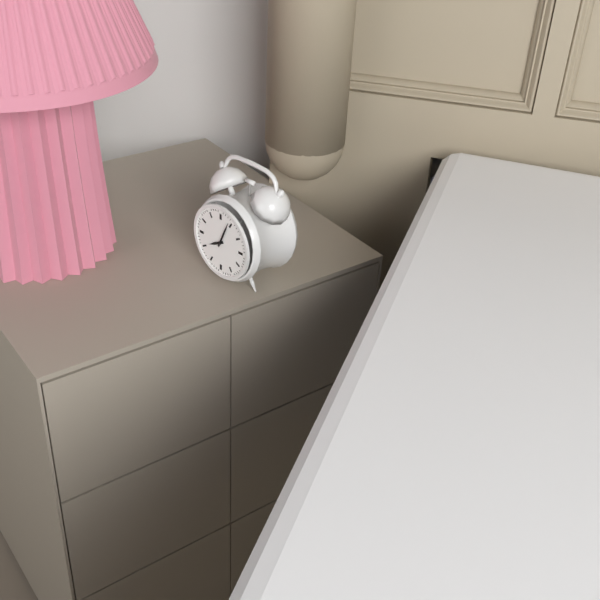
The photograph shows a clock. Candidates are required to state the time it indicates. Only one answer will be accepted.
8:04
